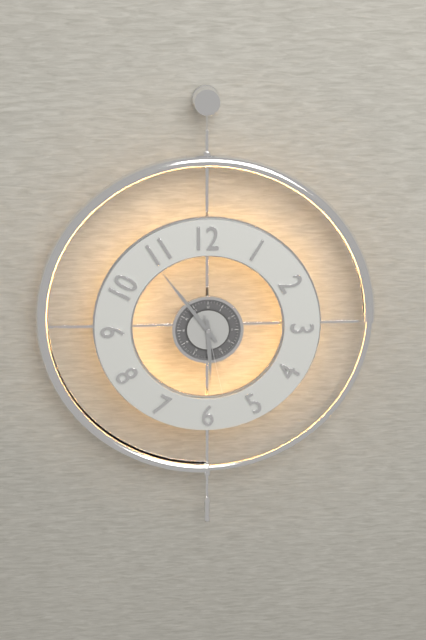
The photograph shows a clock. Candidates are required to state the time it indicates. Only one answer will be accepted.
5:54:28
